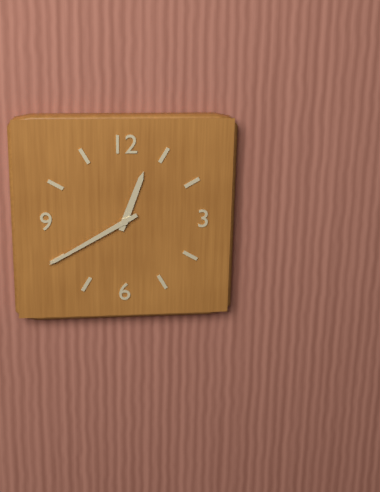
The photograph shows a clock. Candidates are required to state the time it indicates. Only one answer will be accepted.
12:40
